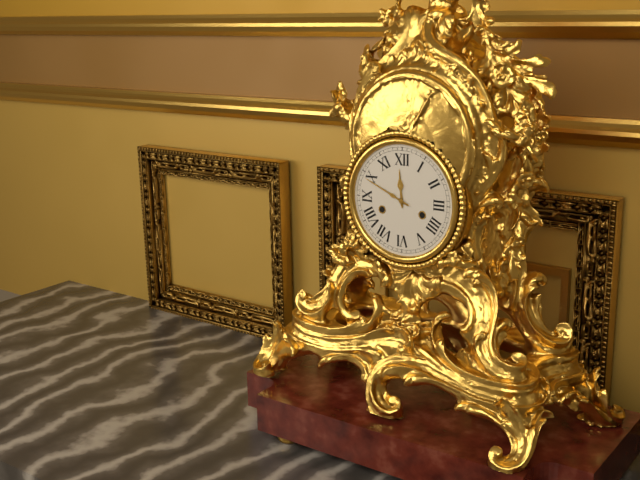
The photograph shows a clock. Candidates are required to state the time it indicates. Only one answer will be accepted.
11:49
